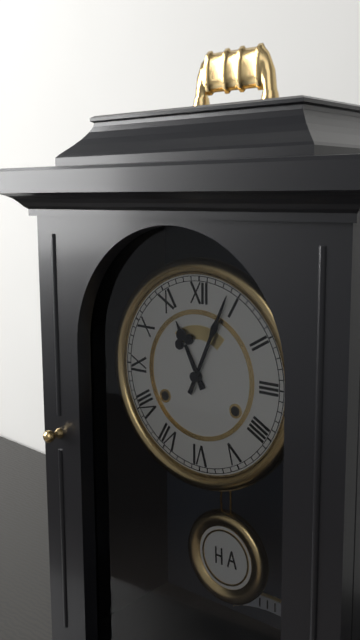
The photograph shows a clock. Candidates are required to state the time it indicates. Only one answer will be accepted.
11:04
